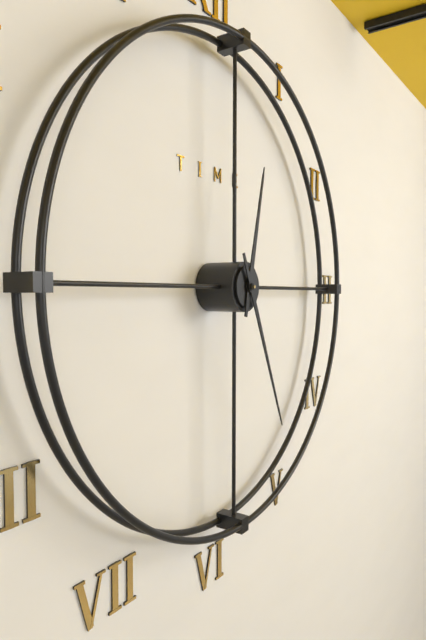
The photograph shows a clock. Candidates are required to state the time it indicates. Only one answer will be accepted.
12:26
